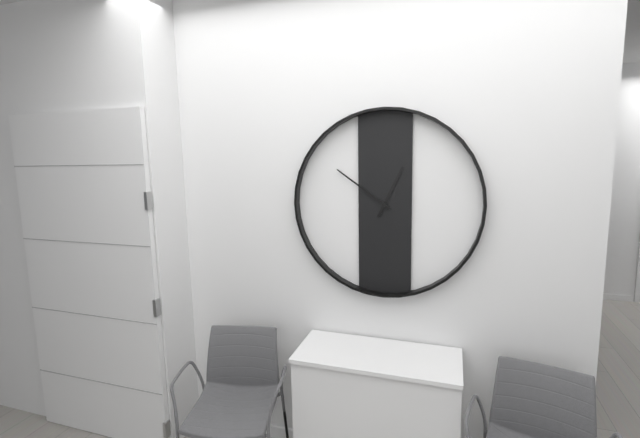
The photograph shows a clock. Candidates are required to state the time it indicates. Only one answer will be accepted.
12:51
